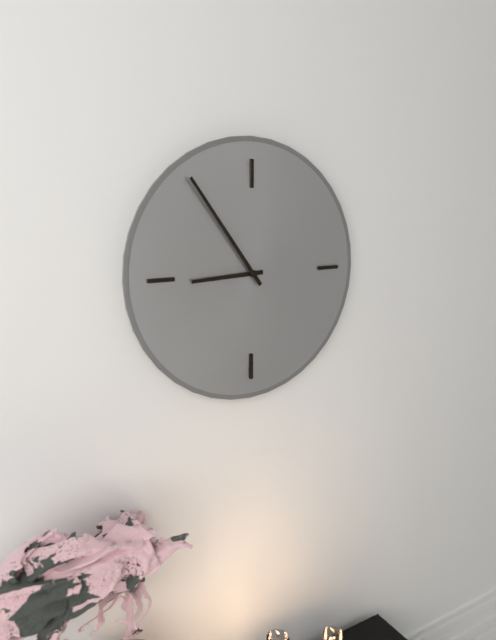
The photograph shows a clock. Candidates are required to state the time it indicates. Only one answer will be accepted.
8:54
